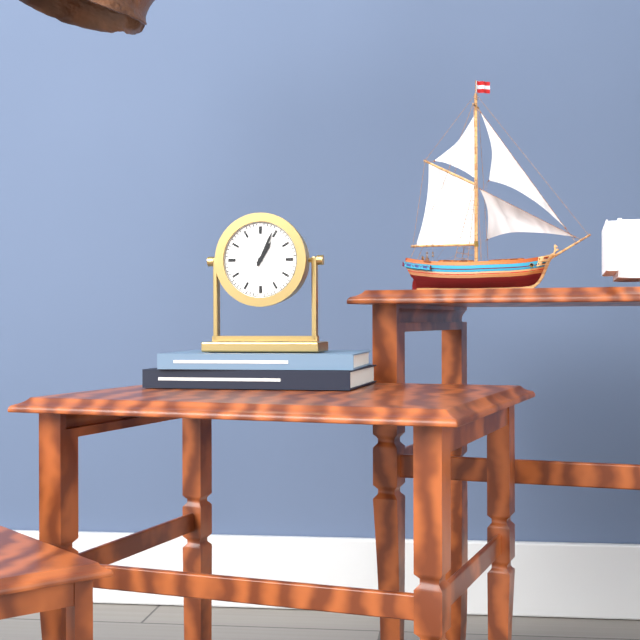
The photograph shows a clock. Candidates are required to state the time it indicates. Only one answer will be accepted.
1:04
